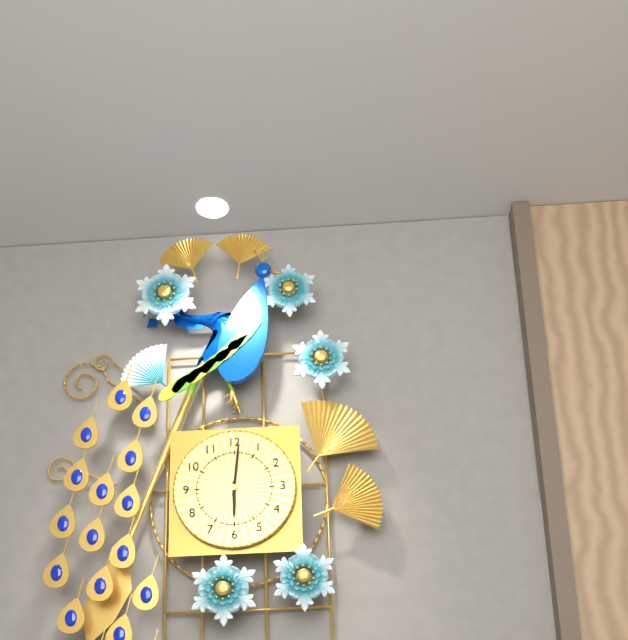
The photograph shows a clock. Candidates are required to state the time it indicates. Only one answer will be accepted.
6:01
